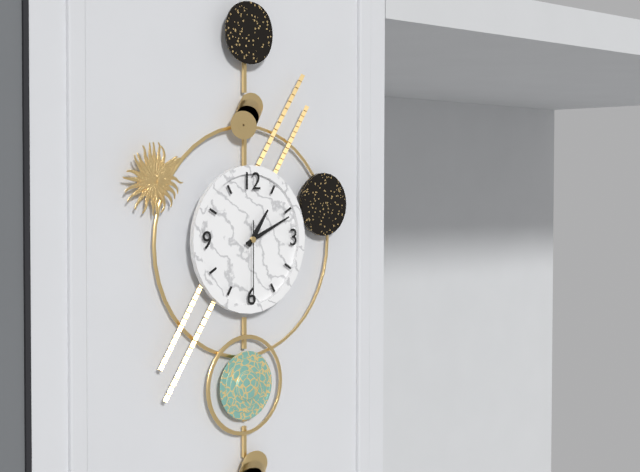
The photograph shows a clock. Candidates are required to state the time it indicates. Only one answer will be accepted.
1:11:30
